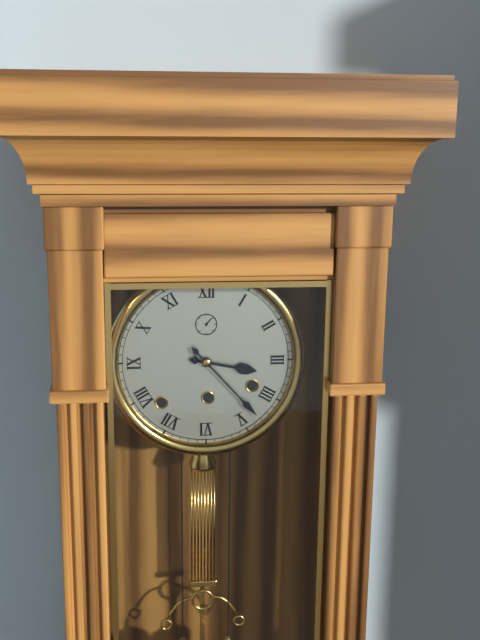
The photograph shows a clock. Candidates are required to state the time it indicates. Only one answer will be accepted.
3:23
